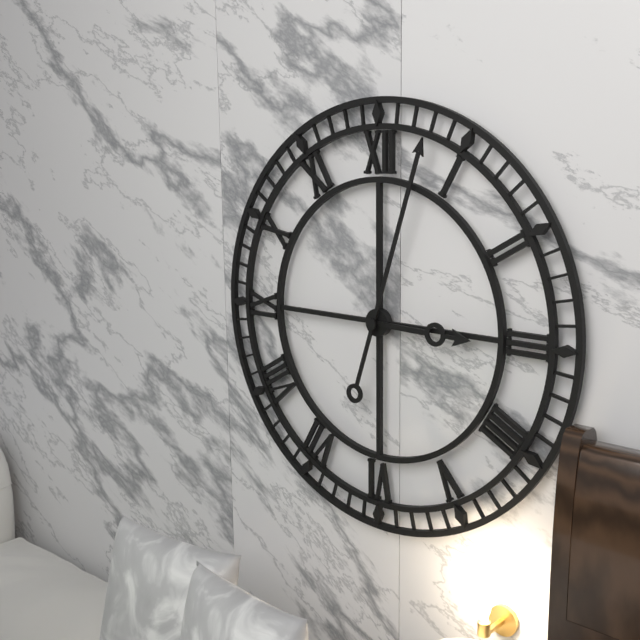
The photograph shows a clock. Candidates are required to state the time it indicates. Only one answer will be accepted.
3:03
